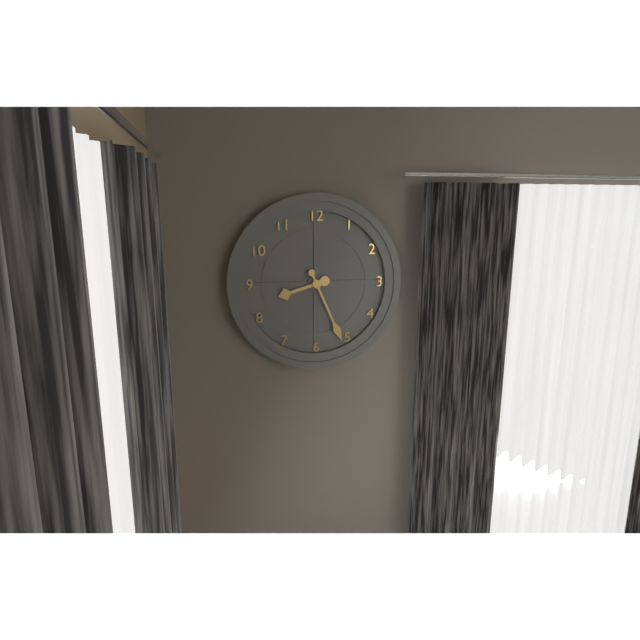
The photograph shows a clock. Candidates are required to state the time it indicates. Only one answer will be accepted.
8:26
